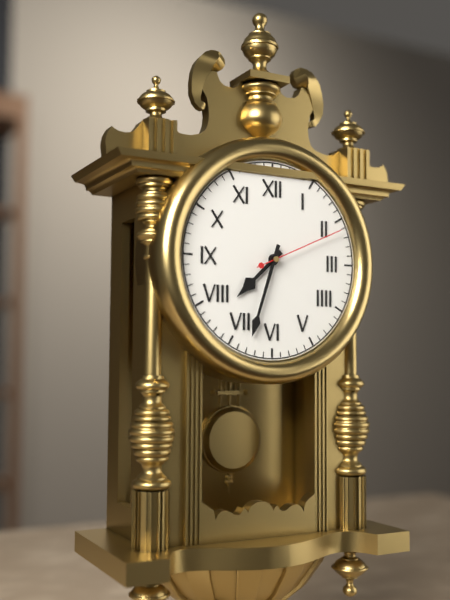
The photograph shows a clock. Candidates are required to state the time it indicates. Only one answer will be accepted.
7:33:11
